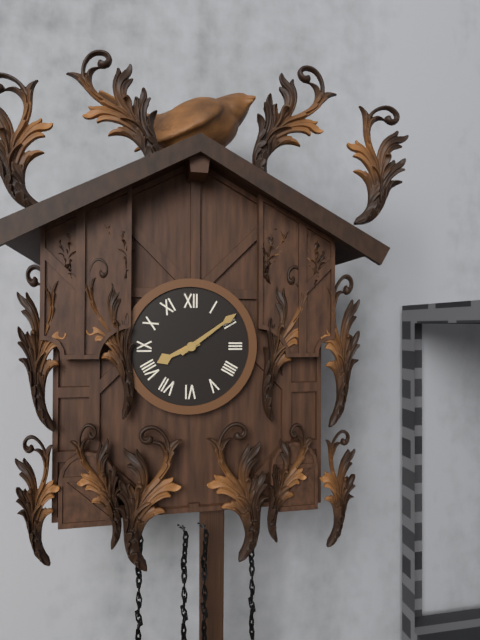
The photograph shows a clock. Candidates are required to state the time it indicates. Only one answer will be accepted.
8:09
